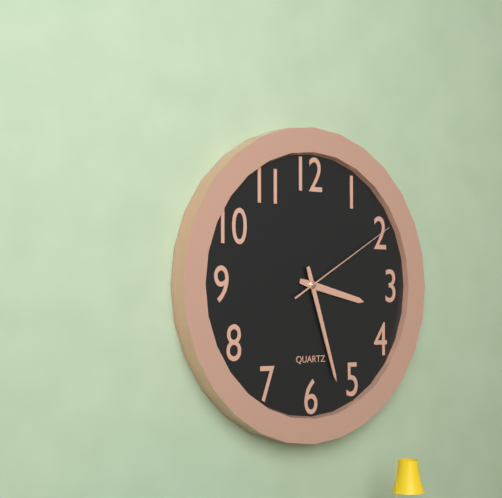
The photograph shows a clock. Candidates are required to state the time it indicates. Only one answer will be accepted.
3:27:10
